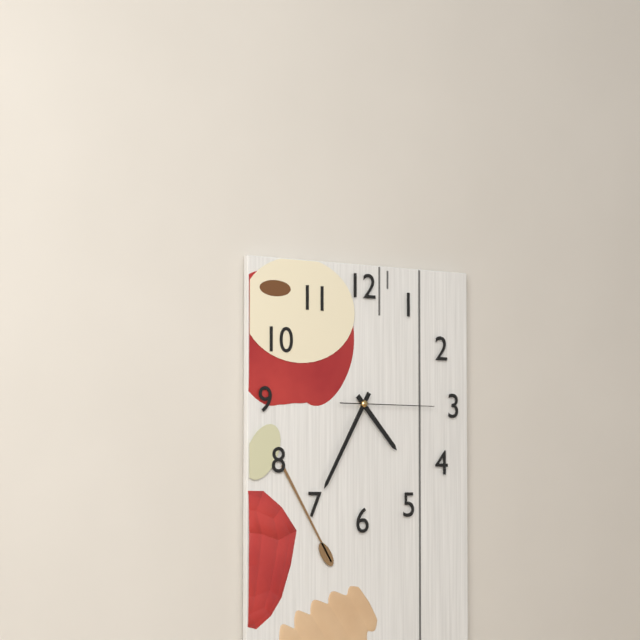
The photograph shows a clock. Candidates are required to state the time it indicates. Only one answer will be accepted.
4:35:15
